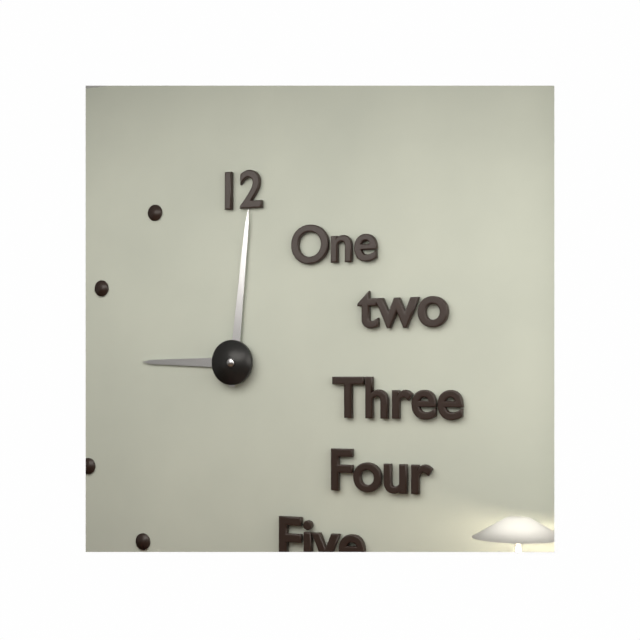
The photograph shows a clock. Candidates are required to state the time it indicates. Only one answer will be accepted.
9:01
